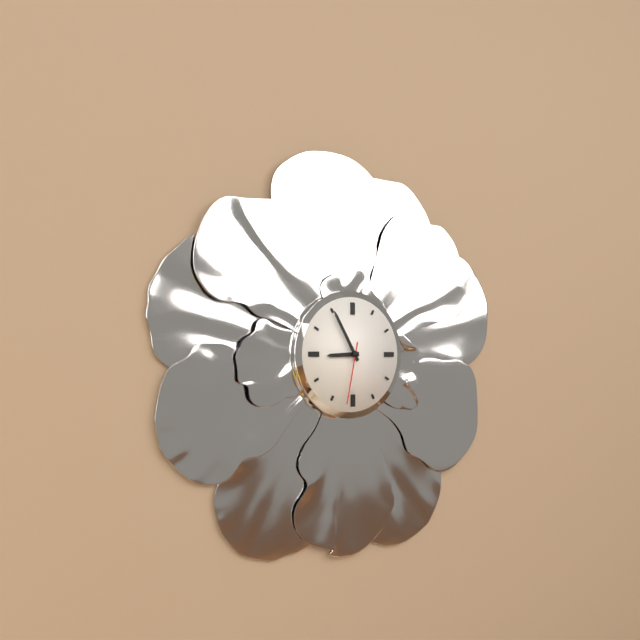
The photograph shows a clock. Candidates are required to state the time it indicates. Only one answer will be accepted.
8:55:32
